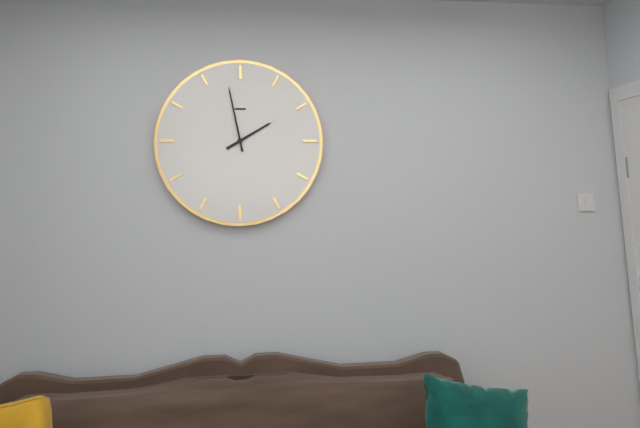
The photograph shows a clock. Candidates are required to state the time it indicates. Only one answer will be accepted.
1:58
